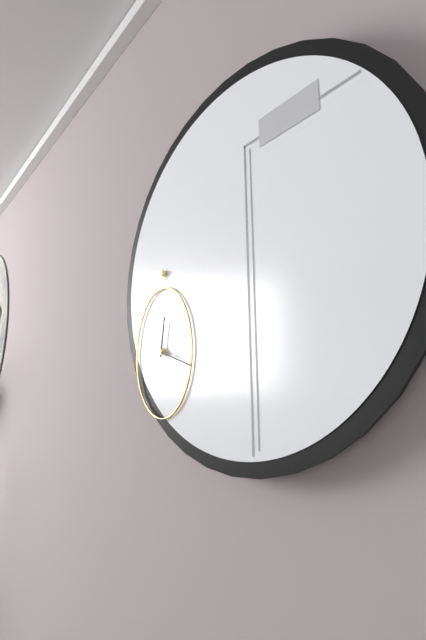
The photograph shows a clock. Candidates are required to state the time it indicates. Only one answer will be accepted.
12:18
